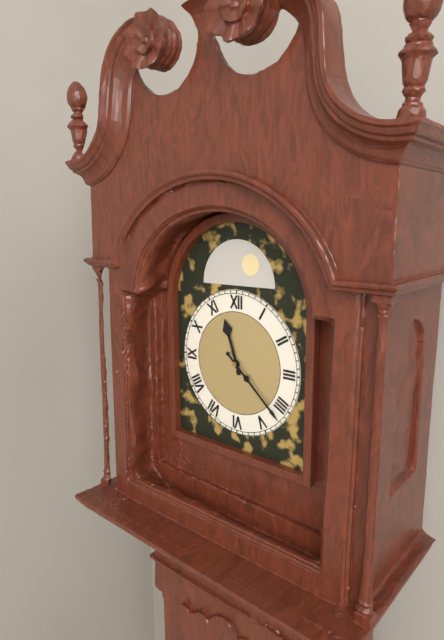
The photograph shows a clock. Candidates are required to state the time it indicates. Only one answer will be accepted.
11:22
